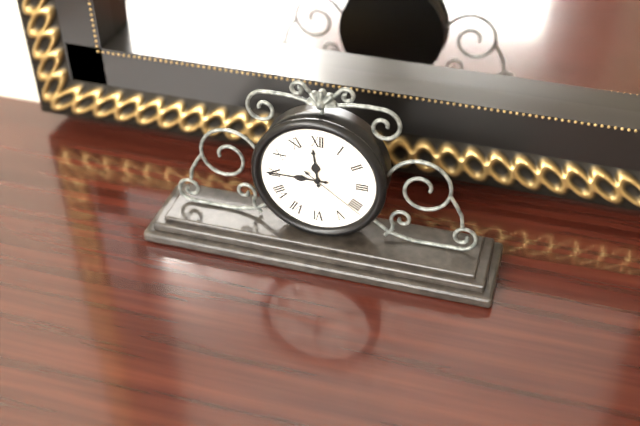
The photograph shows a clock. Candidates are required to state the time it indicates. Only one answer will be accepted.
11:45:21
